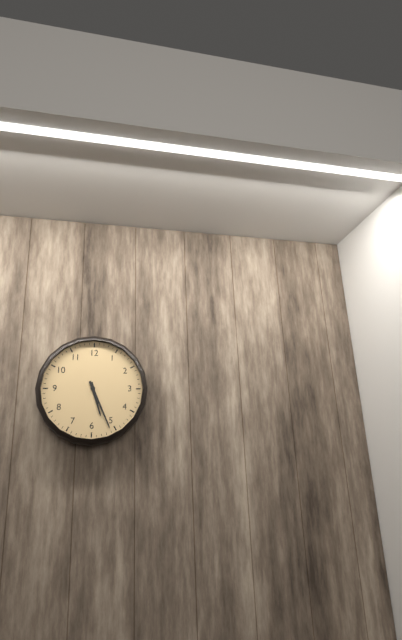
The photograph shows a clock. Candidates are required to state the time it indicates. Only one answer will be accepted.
5:26
